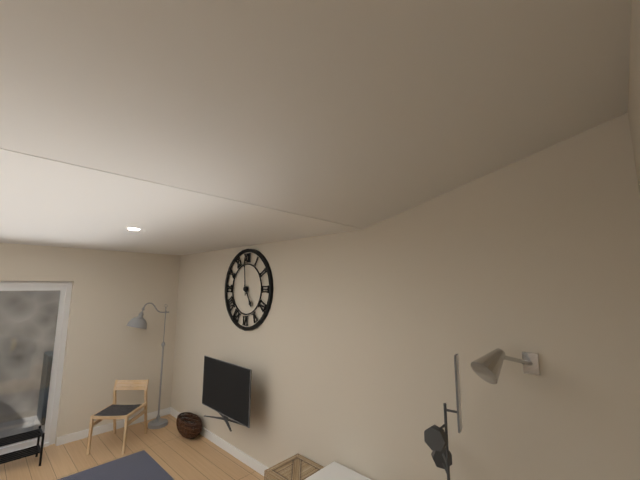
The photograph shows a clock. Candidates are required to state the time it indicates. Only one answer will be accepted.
4:59
